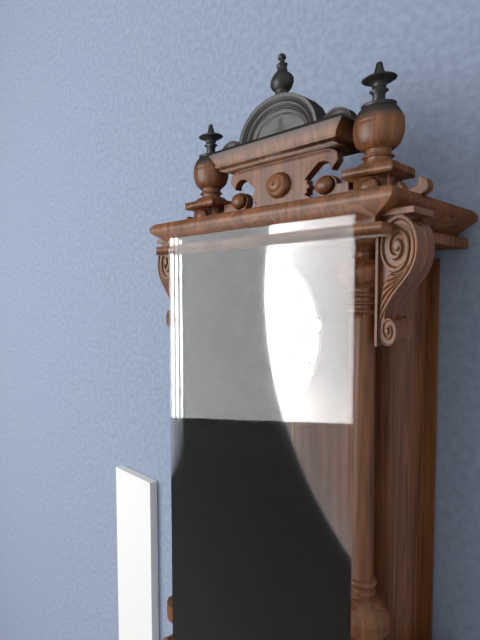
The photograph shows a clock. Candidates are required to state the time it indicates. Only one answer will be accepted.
11:39
